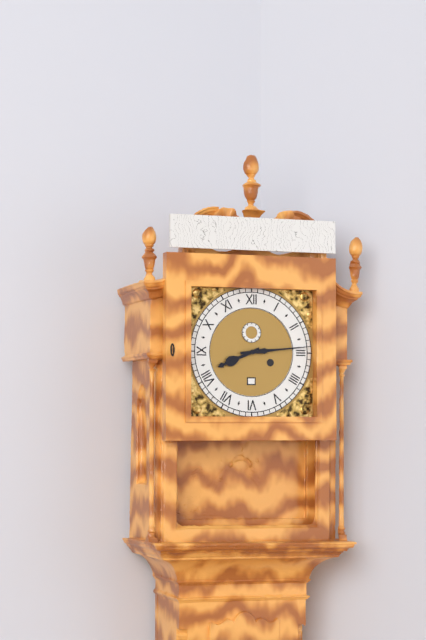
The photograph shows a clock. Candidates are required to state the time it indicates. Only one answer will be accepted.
8:14
